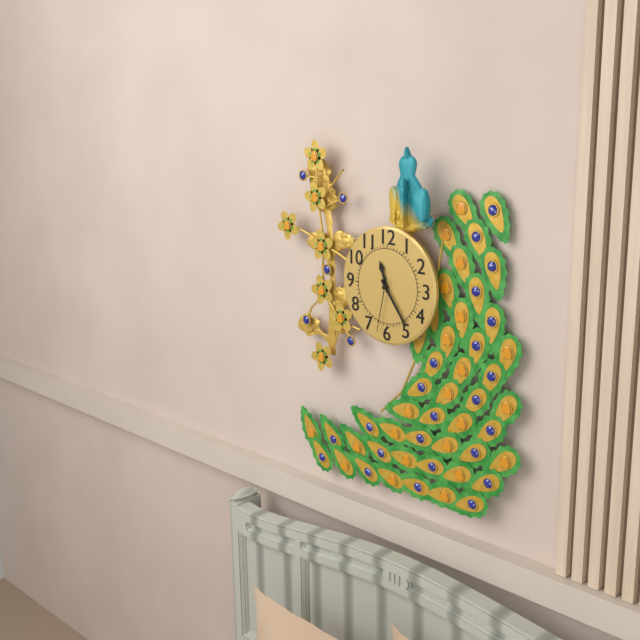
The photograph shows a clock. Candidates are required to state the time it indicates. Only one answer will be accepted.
11:24:32
